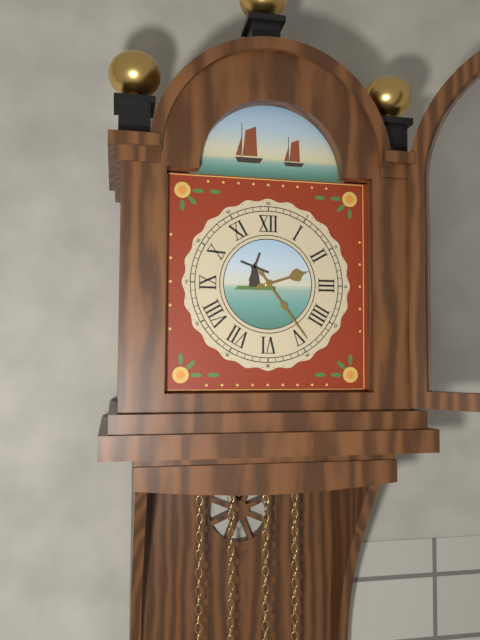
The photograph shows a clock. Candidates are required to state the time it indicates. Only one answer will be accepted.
2:24
